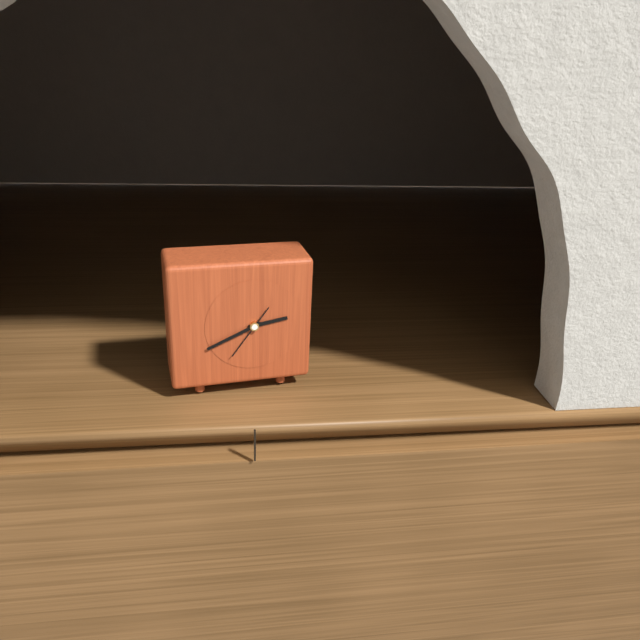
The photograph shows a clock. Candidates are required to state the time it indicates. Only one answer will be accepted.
2:41
